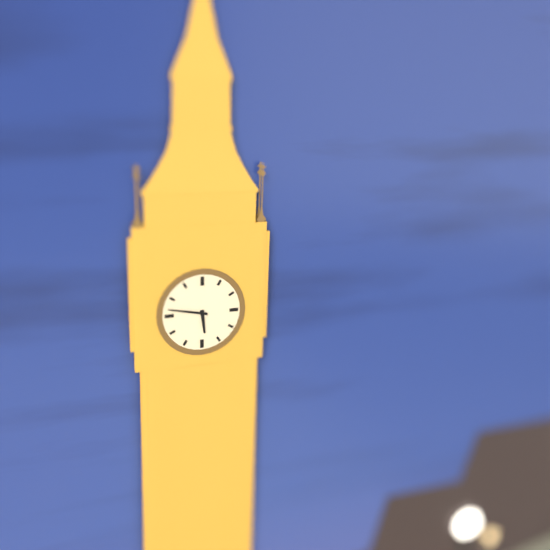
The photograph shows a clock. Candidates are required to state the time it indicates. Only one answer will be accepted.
5:47
